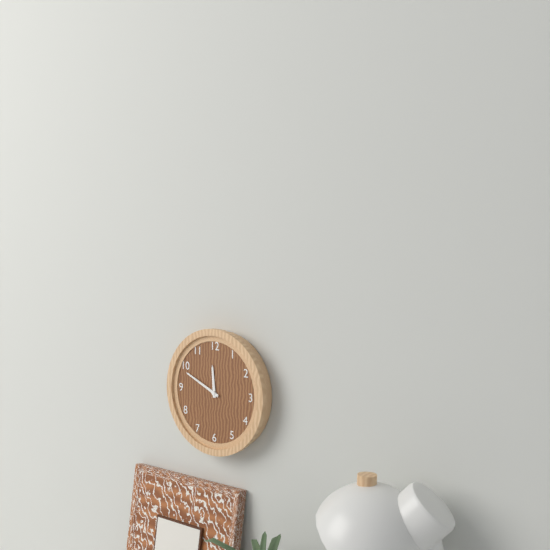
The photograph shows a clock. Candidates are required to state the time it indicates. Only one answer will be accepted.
11:49
